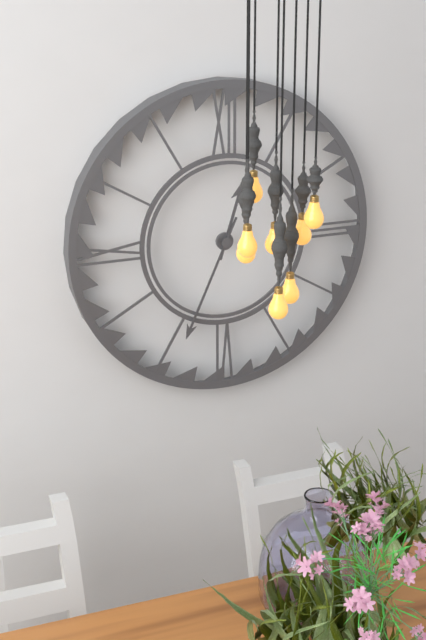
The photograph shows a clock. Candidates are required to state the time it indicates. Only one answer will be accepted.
12:34
